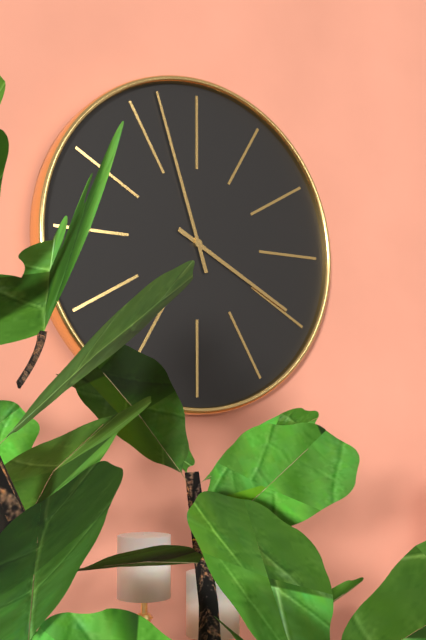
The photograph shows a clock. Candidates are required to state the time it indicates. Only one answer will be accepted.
3:57
